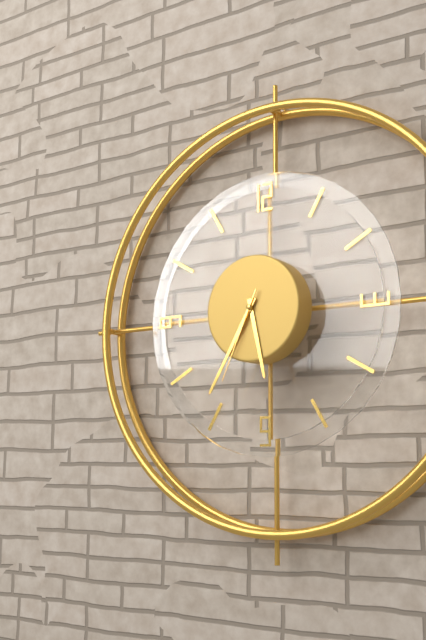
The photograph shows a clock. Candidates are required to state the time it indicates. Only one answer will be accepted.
5:35:34
